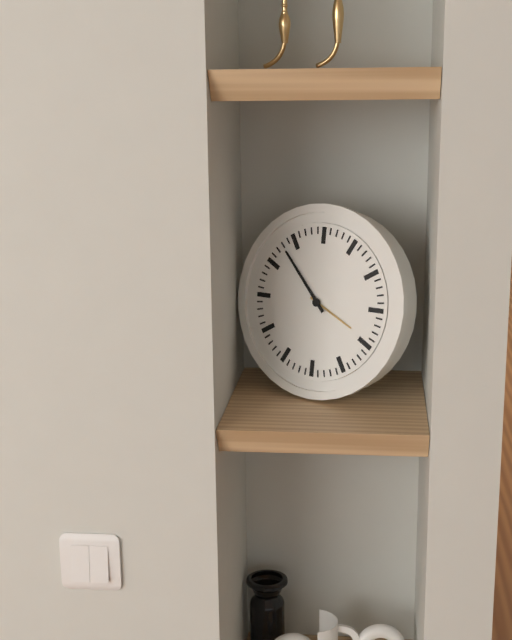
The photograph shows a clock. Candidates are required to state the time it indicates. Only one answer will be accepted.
3:53
